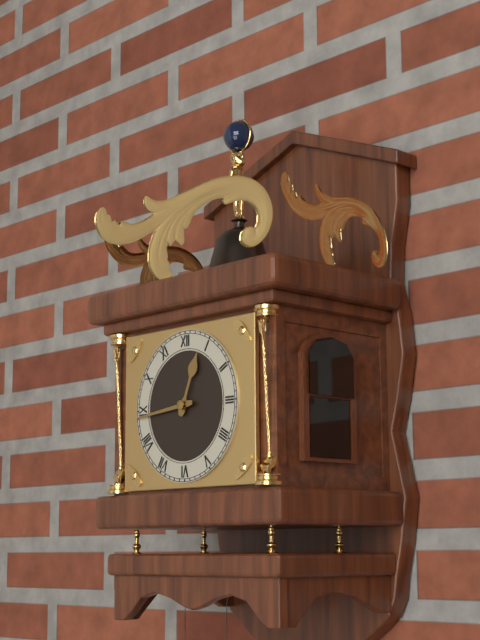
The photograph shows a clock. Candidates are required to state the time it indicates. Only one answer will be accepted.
12:44
